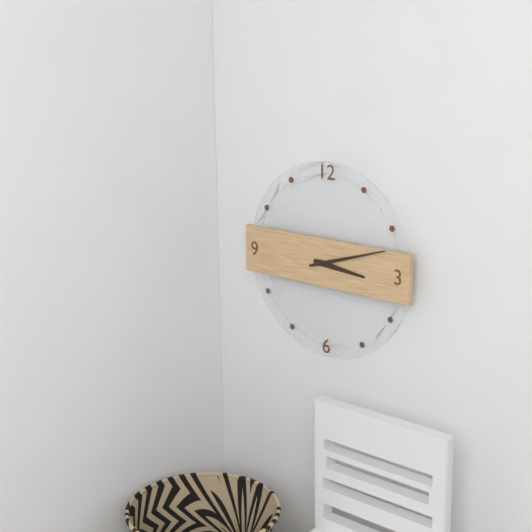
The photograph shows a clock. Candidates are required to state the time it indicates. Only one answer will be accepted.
3:12
